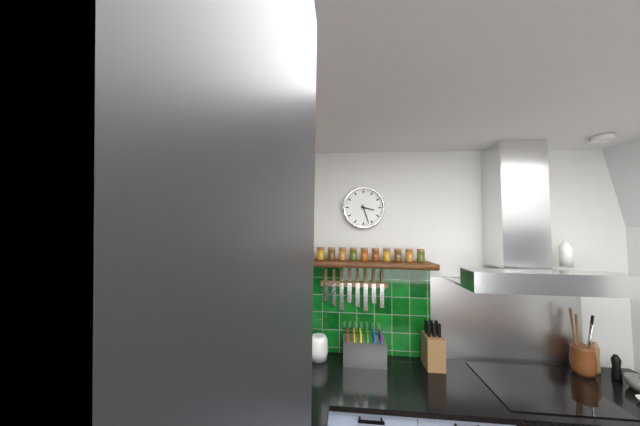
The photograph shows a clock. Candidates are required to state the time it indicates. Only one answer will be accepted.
3:27
